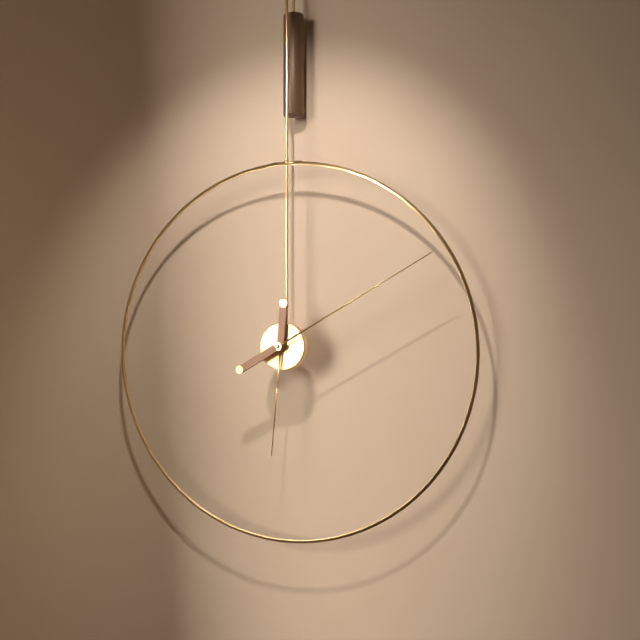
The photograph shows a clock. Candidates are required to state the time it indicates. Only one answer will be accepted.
6:10
